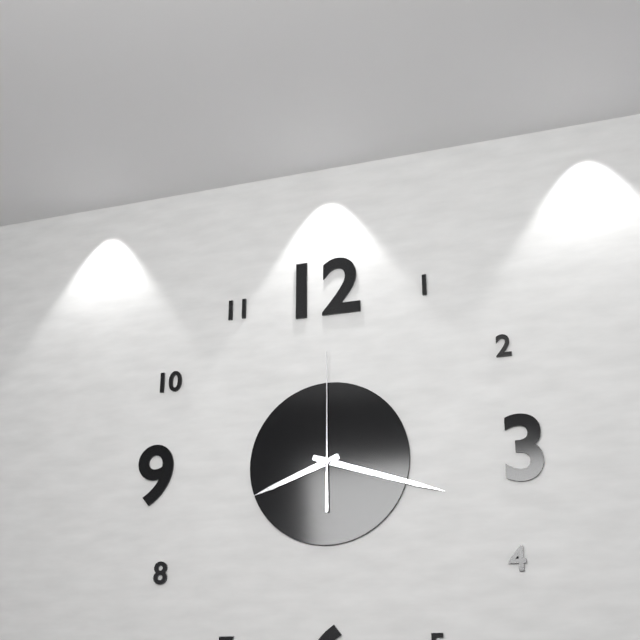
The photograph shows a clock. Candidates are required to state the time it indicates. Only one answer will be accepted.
8:18:00
